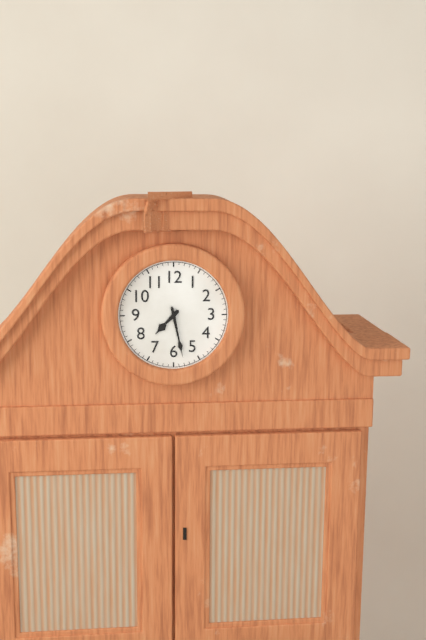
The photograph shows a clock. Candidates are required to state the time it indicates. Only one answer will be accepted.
7:28
